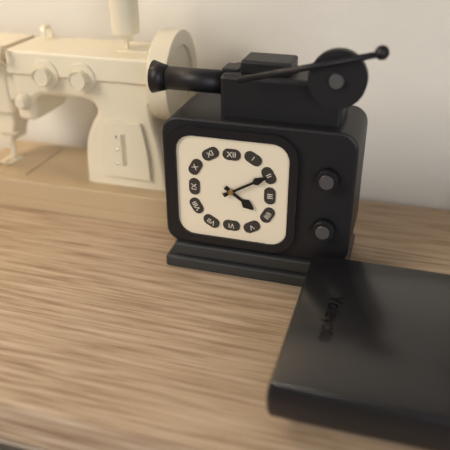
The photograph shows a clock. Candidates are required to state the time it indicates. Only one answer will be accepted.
4:10
